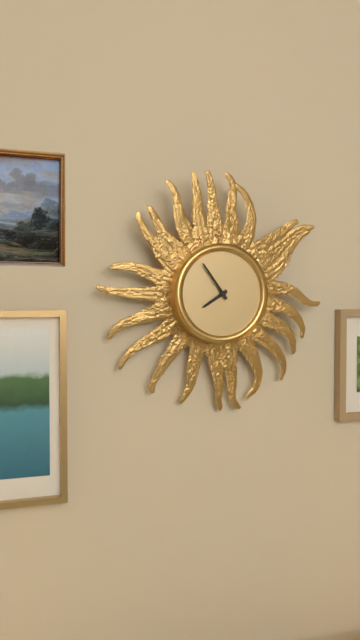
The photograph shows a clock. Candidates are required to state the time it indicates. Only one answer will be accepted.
7:54
